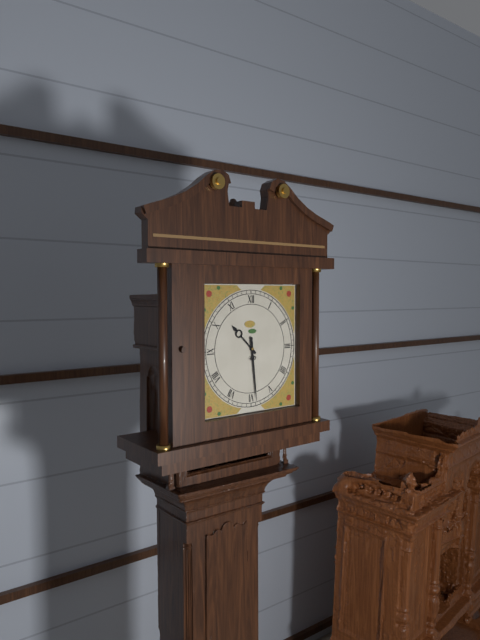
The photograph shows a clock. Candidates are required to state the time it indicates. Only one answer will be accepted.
10:29
